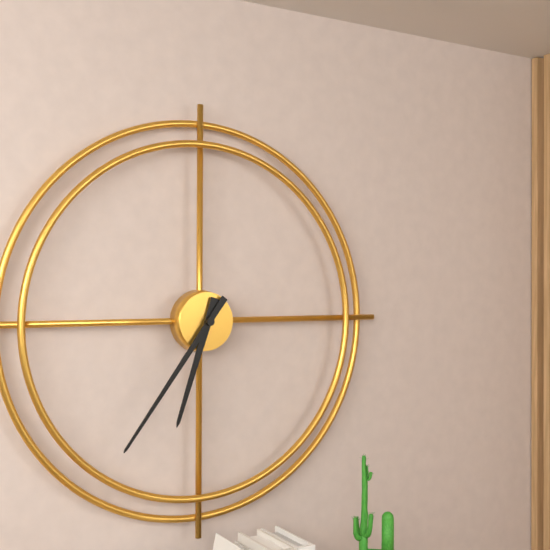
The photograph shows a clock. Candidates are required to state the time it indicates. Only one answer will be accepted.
6:36
